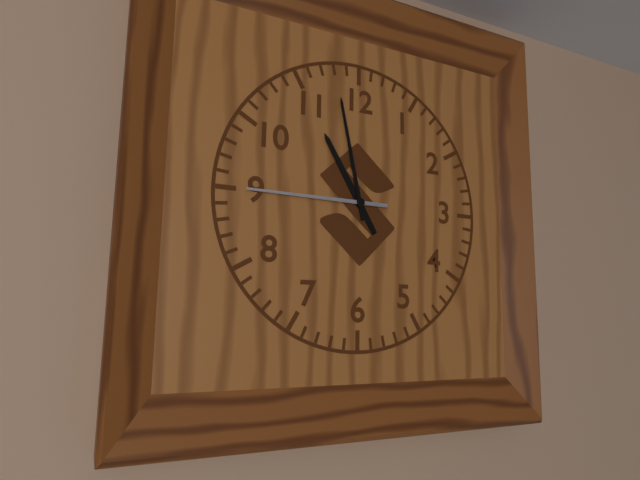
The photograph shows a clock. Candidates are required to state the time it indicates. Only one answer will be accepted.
10:58:45
